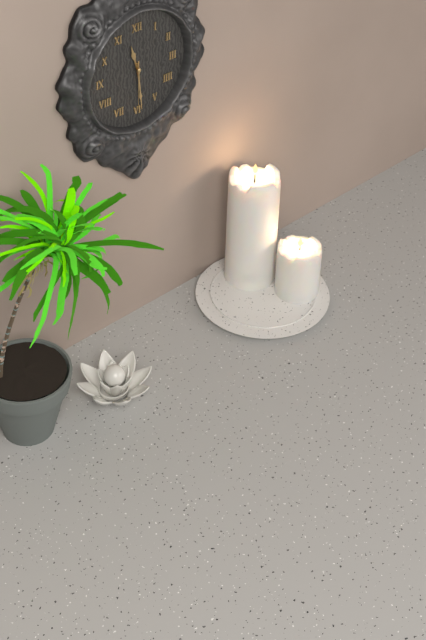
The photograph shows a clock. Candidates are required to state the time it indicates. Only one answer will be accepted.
11:29
